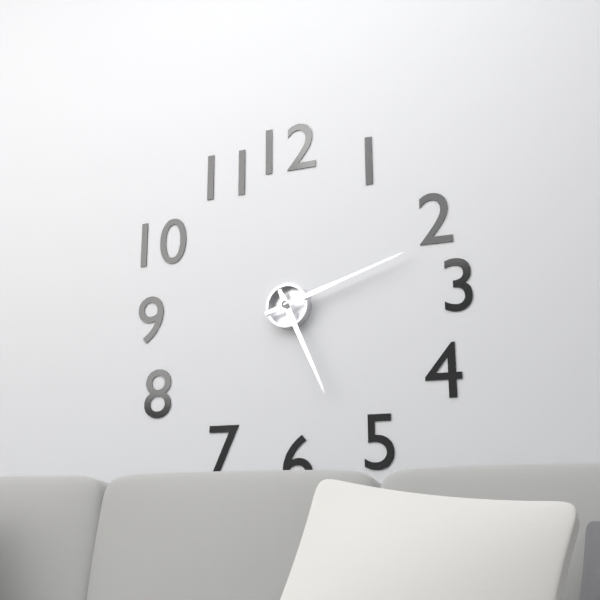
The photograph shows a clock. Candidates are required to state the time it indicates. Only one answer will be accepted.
5:12
